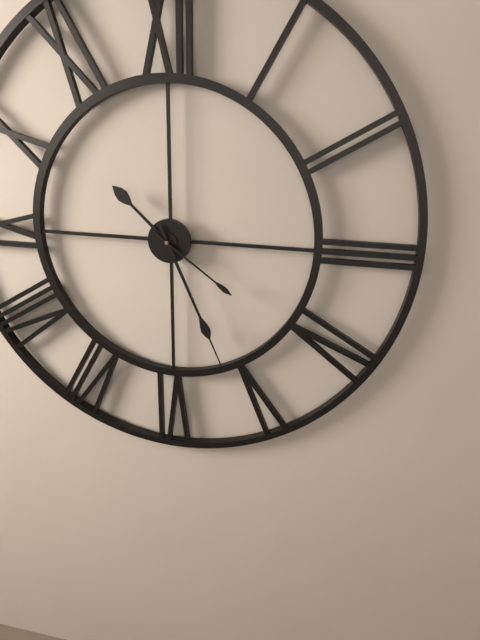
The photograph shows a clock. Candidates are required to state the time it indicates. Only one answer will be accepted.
10:26:21
